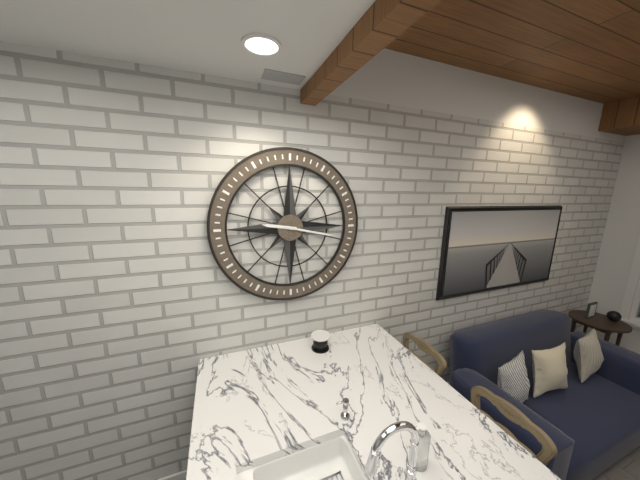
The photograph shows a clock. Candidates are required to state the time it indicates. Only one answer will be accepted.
9:17
